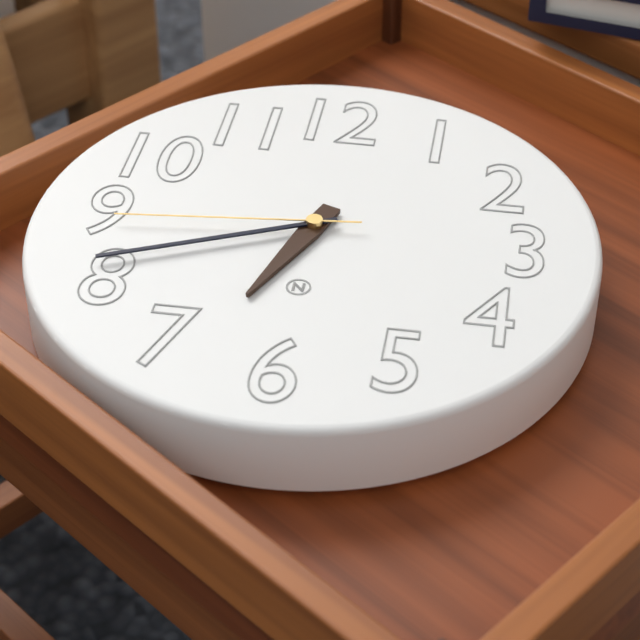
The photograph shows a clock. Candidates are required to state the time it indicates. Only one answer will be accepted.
6:41:44
